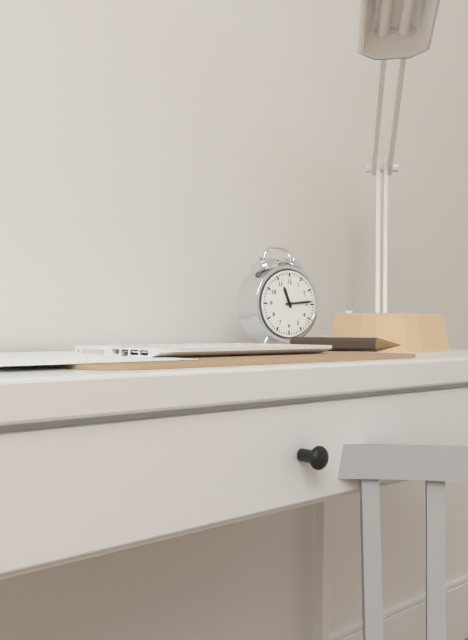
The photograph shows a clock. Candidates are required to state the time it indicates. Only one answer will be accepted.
11:14
